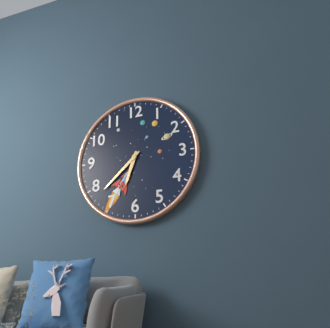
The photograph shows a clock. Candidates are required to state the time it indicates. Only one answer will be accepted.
6:38
